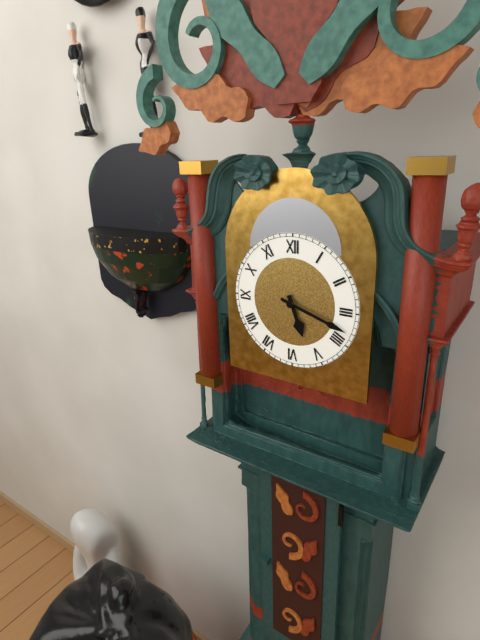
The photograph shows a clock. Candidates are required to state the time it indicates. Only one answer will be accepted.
5:18
